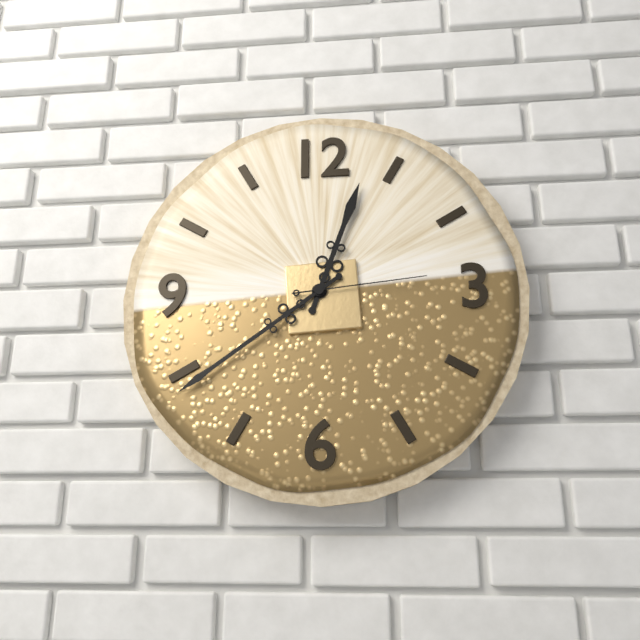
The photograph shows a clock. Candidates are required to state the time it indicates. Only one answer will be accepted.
12:39:14
